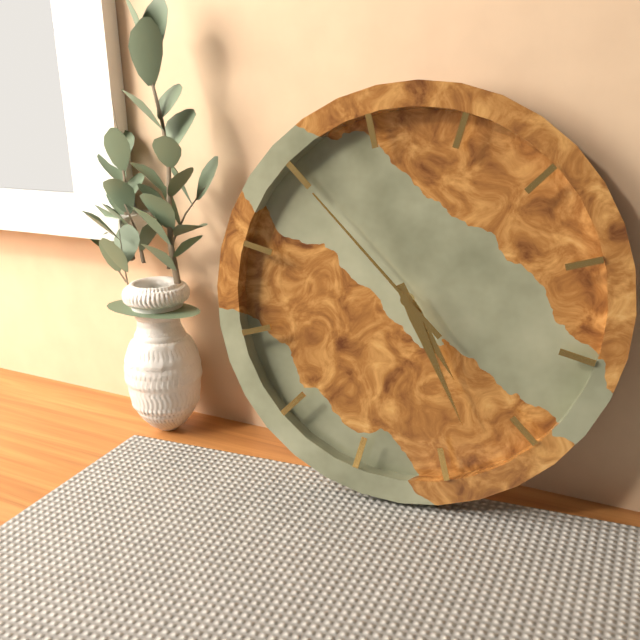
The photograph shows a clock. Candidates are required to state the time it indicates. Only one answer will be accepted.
4:23:50
